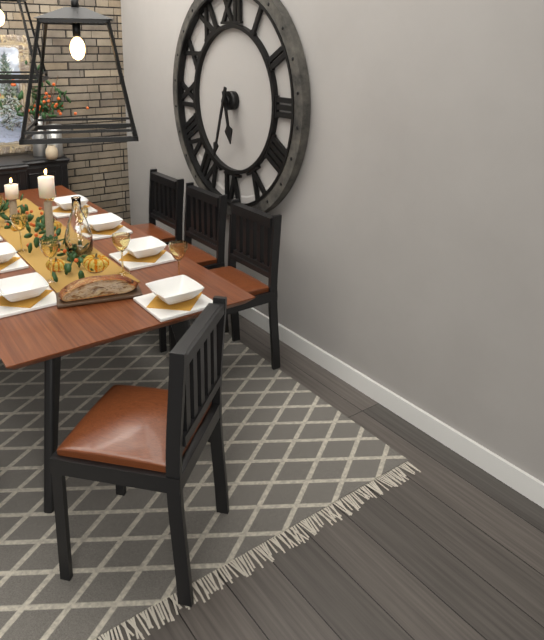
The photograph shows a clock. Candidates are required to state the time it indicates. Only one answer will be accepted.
5:33
